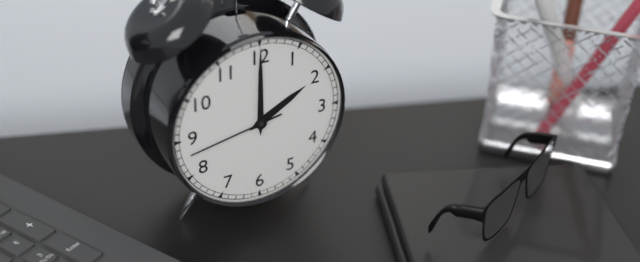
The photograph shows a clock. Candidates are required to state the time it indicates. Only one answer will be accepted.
2:00:43
